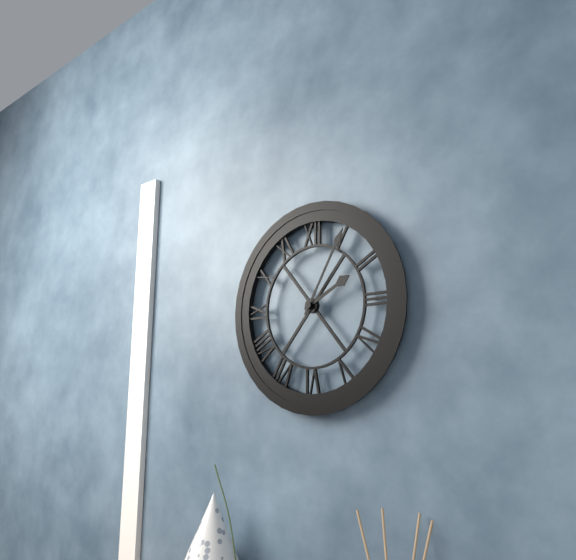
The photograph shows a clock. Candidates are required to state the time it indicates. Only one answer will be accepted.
2:05
